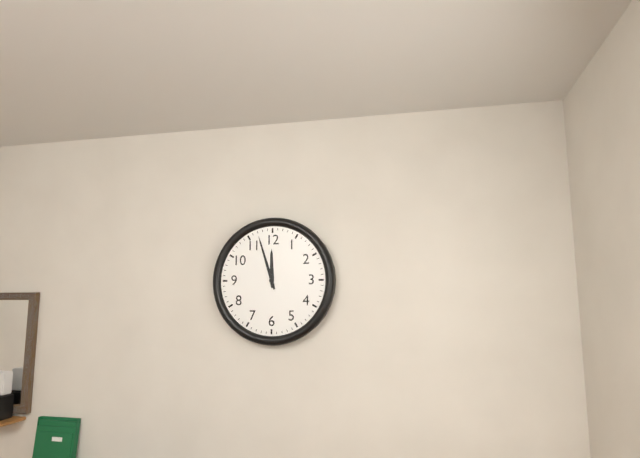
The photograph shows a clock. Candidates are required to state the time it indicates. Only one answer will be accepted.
11:57
